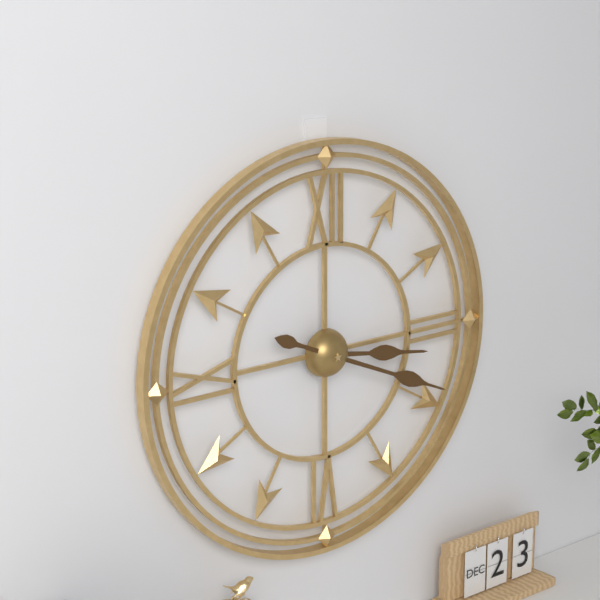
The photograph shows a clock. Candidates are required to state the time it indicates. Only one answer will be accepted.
3:19
